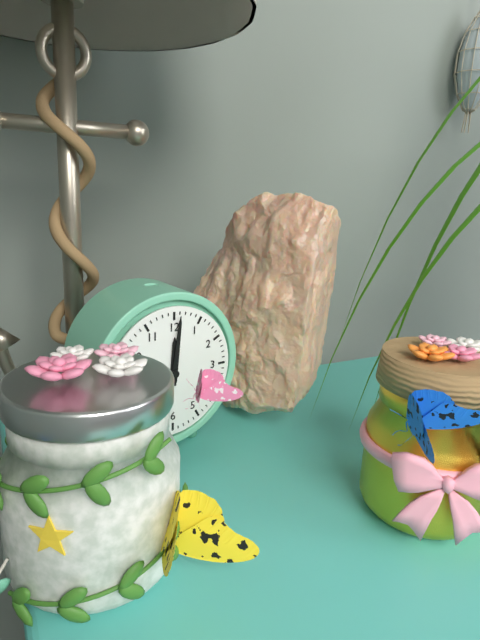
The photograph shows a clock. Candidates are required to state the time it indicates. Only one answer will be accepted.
12:01
